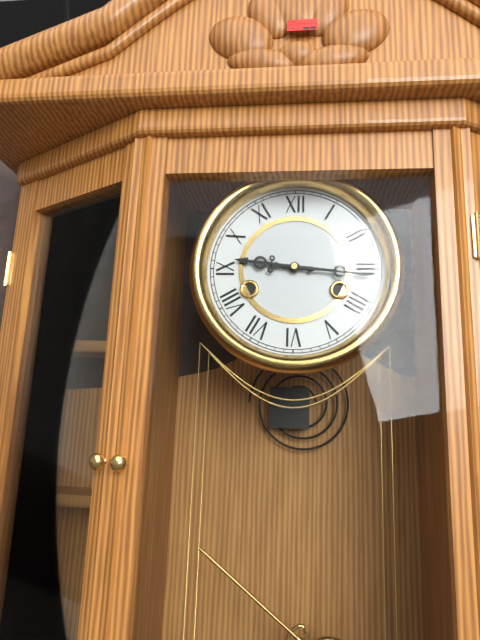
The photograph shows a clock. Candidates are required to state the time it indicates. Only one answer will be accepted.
9:16
